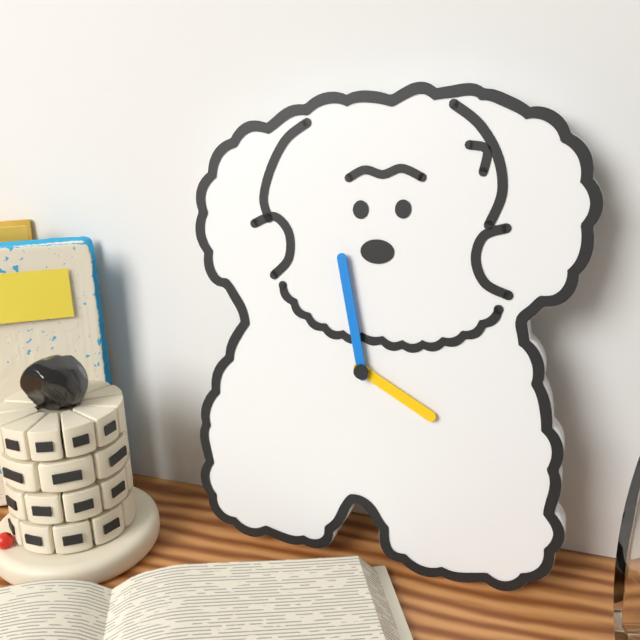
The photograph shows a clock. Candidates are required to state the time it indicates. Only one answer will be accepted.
3:58
